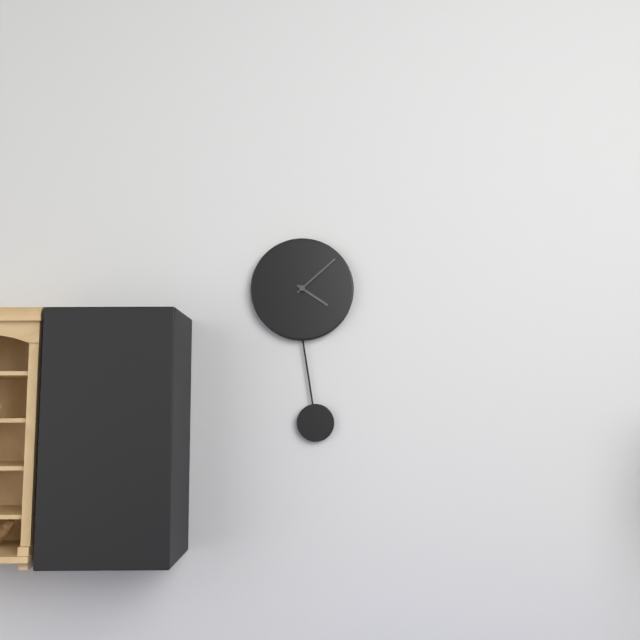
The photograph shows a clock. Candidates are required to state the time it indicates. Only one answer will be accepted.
4:08
